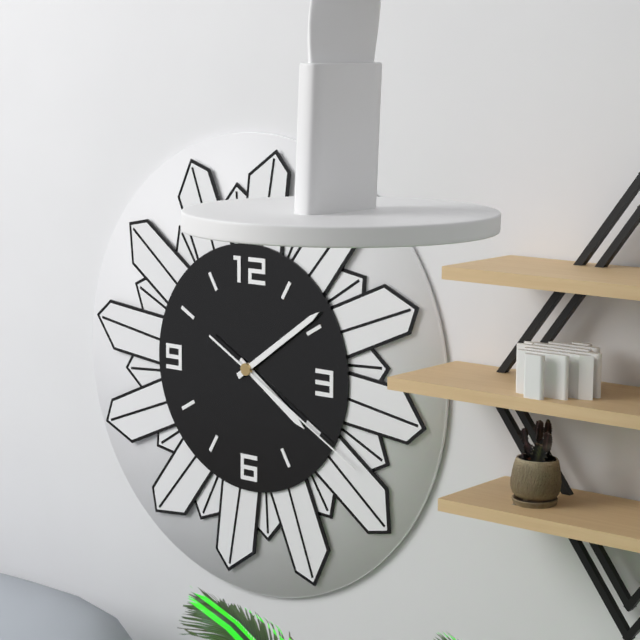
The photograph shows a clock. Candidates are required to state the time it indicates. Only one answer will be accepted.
4:09:20
